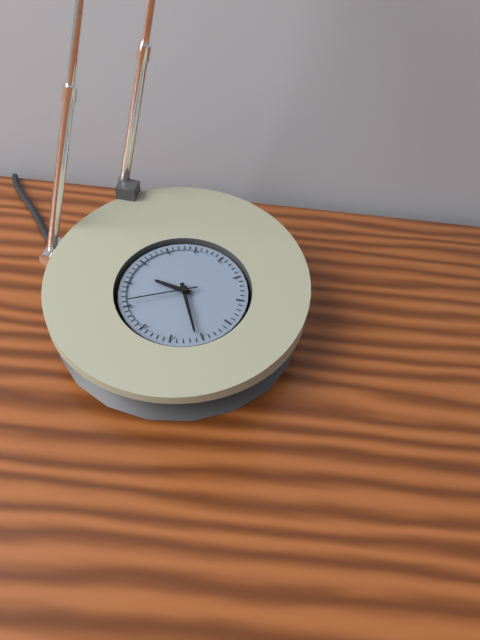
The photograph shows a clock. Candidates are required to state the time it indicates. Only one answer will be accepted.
9:26:41
